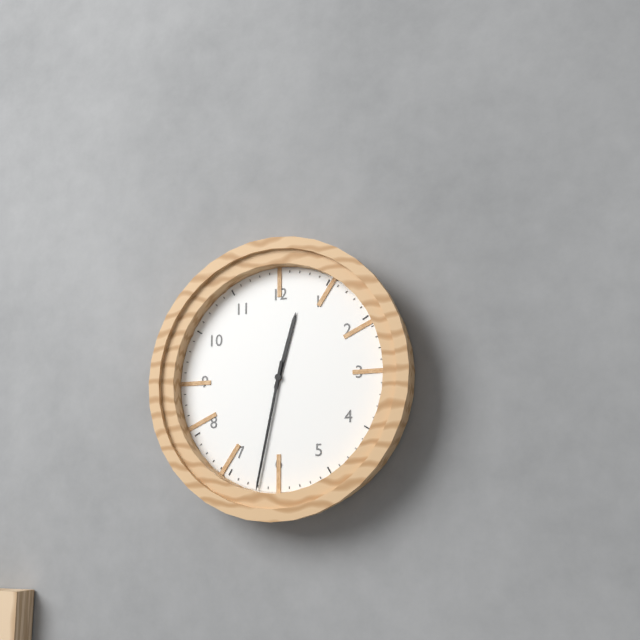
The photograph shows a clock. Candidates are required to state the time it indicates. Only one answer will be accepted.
12:32
